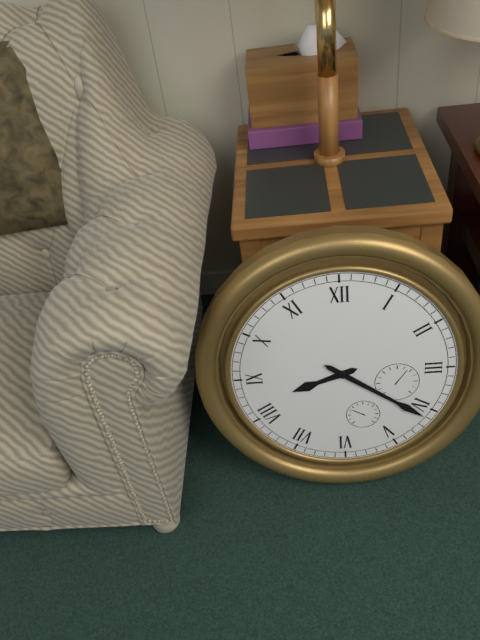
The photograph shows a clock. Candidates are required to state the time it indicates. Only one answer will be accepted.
8:21
